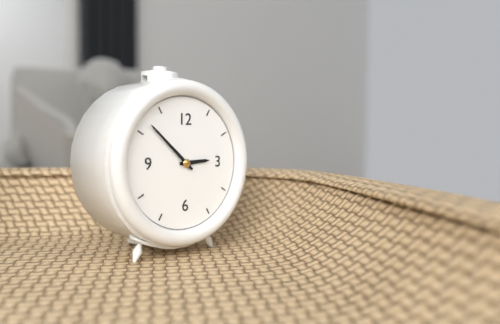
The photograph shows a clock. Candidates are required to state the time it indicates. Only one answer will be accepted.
2:52
